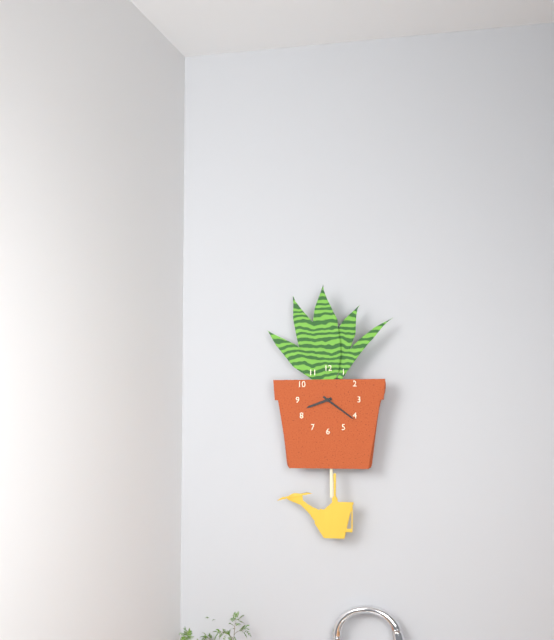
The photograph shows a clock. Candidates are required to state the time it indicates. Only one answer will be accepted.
8:21
